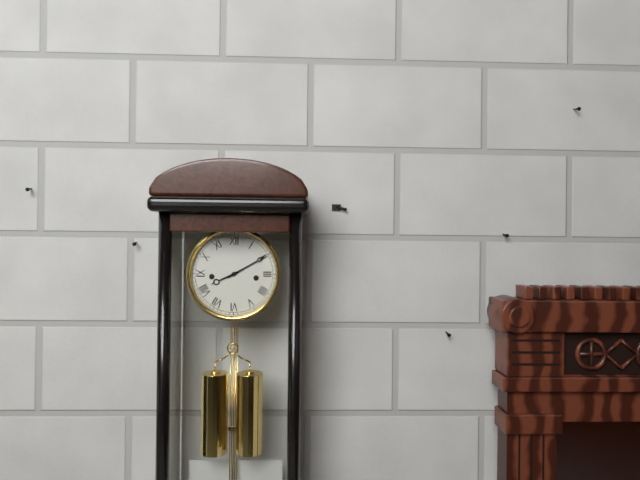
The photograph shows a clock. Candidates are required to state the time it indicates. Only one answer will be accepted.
8:10
